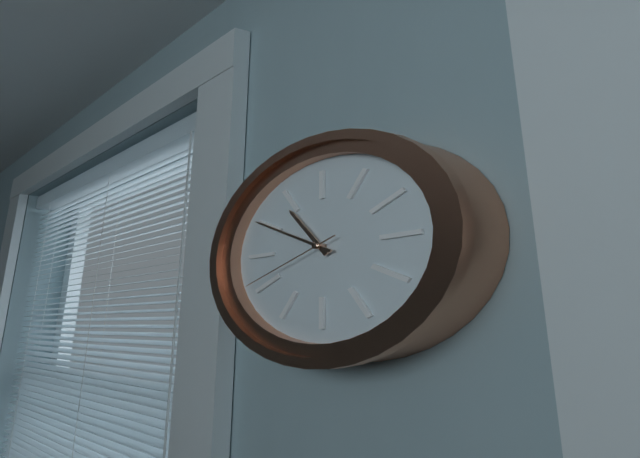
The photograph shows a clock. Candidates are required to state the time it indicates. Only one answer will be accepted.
10:50:41
